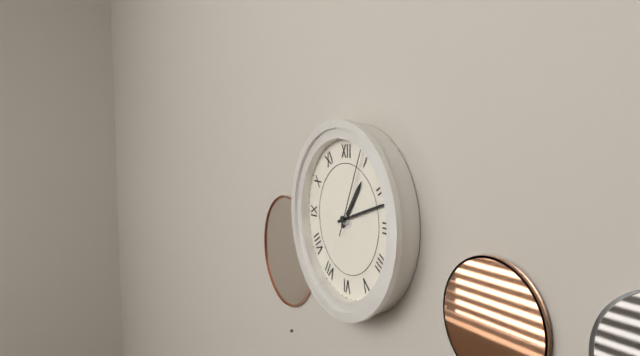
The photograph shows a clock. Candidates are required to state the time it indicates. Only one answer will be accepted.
1:12:04
